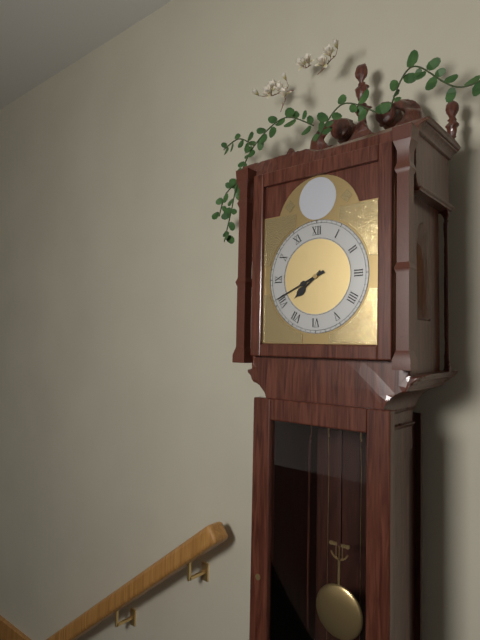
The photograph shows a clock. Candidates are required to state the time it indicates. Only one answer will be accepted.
7:41
